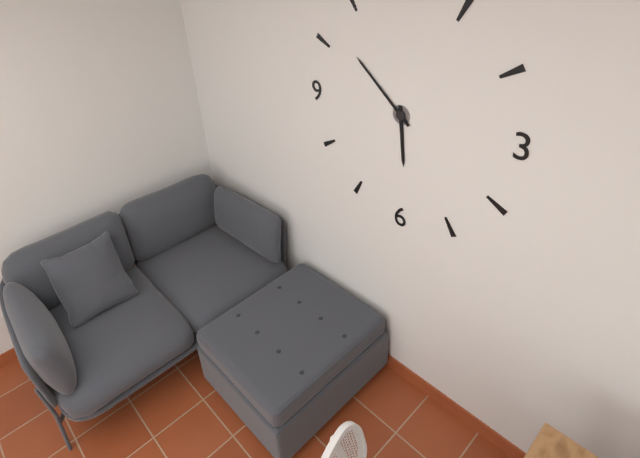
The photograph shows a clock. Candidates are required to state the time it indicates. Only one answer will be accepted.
5:52
